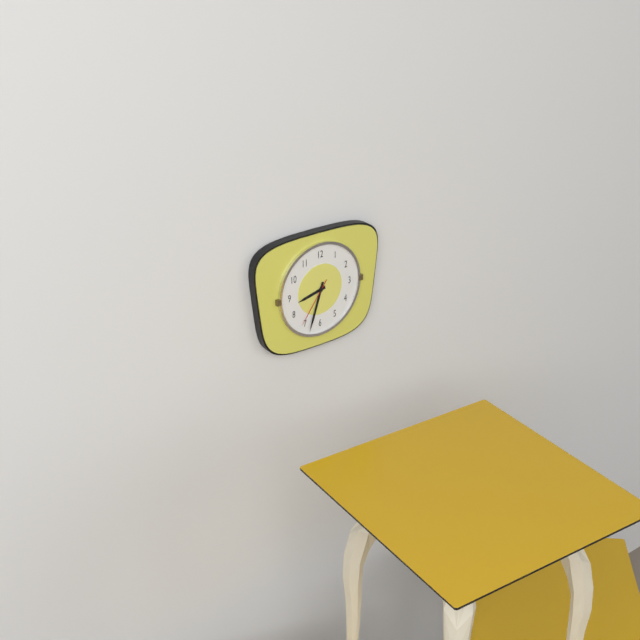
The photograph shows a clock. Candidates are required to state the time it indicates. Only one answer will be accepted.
8:33:36
